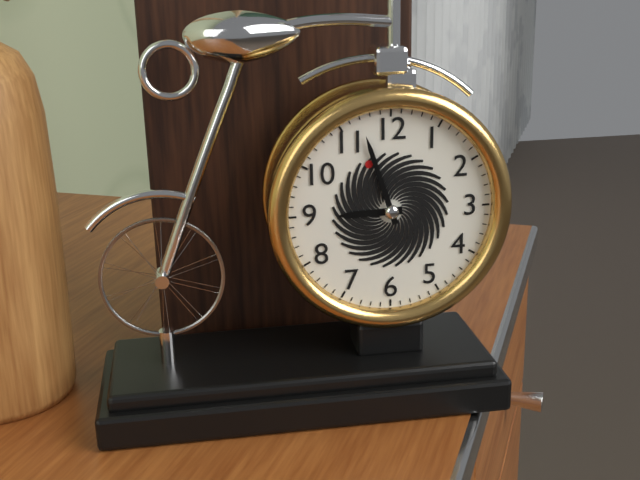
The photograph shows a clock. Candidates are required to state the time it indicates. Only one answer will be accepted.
8:57
